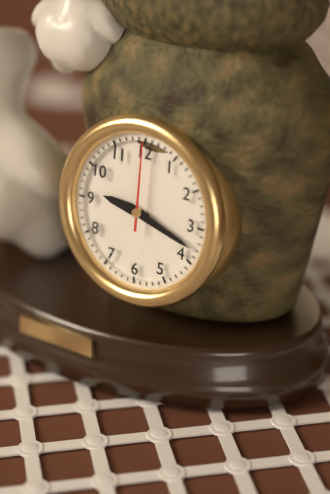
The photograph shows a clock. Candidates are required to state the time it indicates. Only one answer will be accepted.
9:18:00
